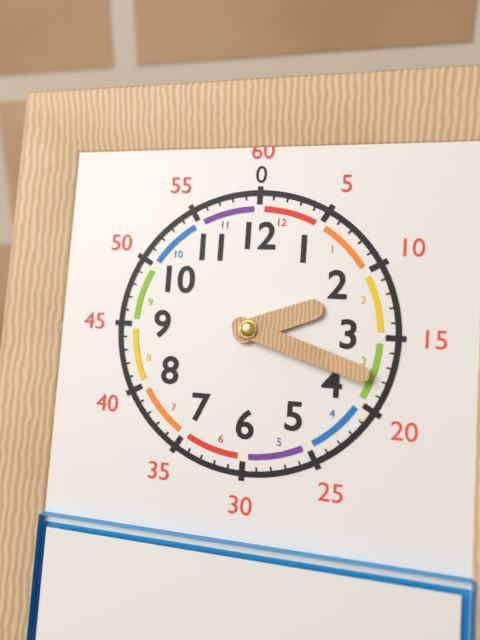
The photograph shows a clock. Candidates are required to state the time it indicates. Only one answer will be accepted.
2:18
